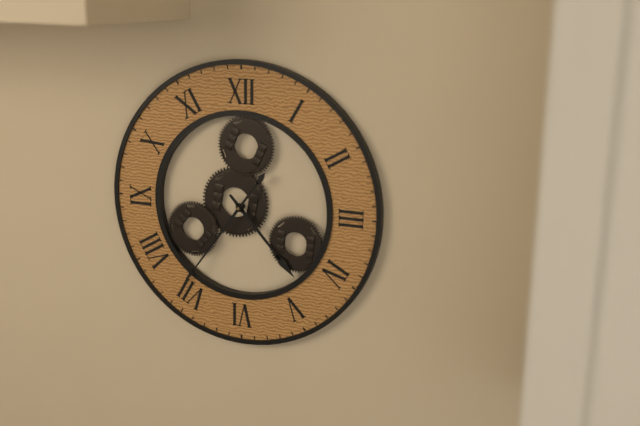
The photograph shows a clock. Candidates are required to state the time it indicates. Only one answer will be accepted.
4:36
